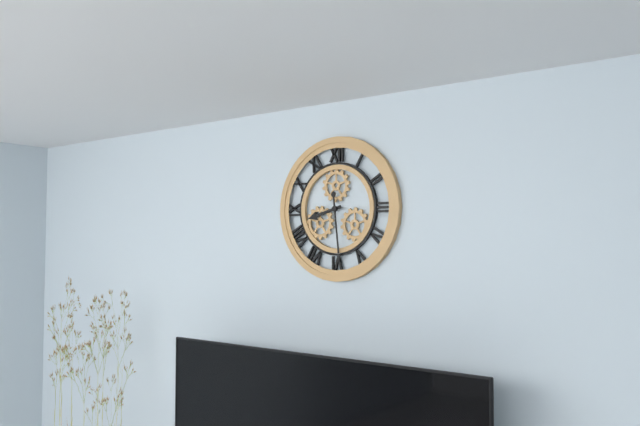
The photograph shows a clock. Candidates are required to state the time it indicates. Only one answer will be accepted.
8:29
